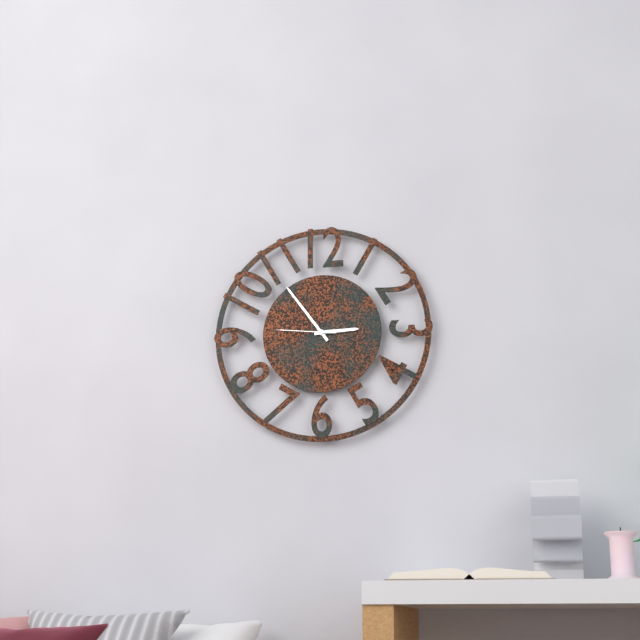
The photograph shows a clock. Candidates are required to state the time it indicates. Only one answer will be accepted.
2:54:46
